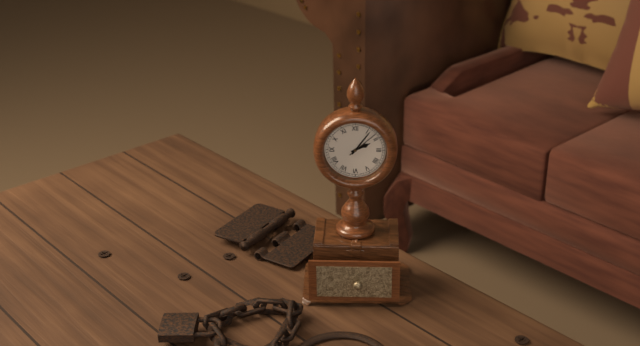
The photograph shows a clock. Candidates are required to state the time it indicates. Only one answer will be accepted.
2:06
